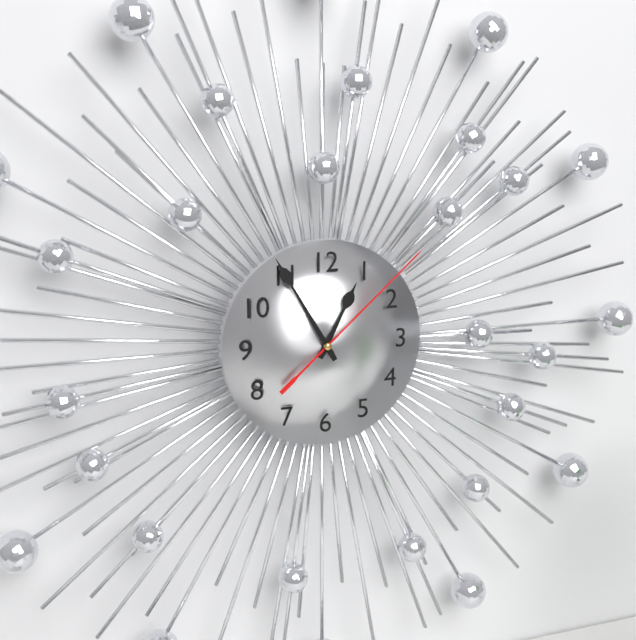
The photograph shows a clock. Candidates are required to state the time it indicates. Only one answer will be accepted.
12:55:08
